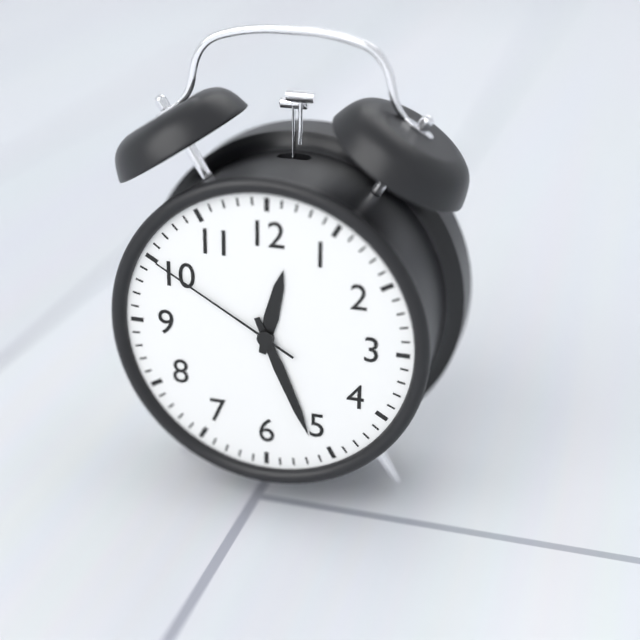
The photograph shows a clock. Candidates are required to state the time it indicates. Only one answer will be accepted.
12:26:50
